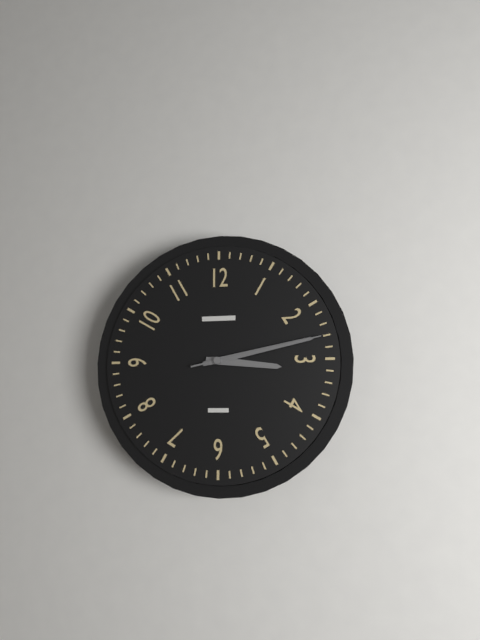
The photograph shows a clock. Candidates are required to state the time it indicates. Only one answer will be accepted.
3:13:13
